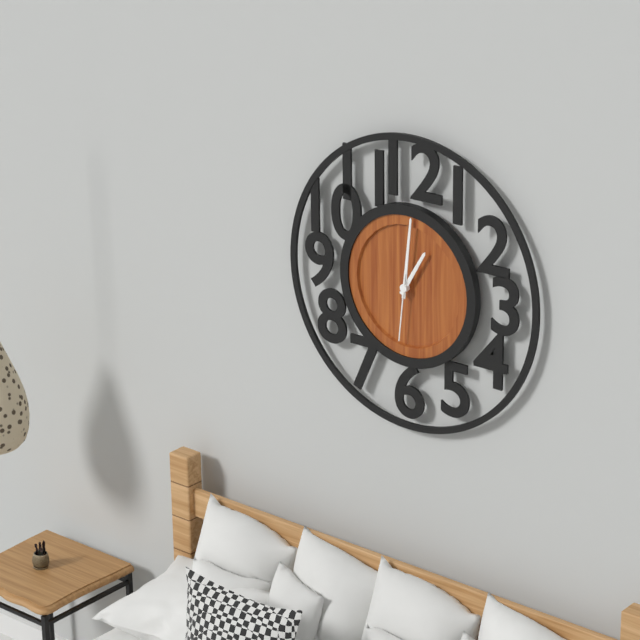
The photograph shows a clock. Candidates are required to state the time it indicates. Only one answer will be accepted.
1:01:31
